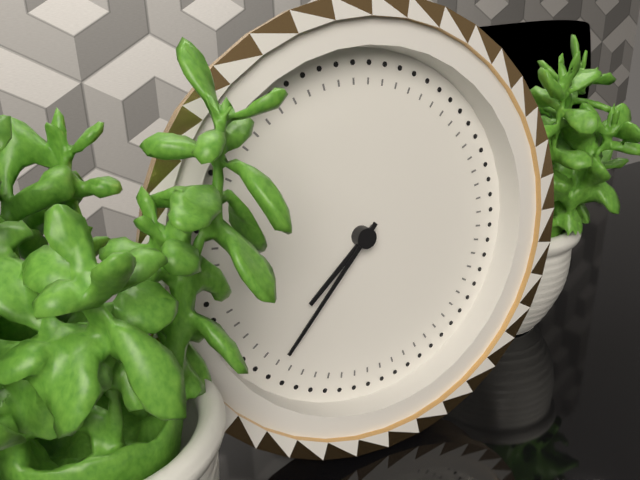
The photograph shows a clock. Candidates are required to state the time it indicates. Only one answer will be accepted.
7:37
